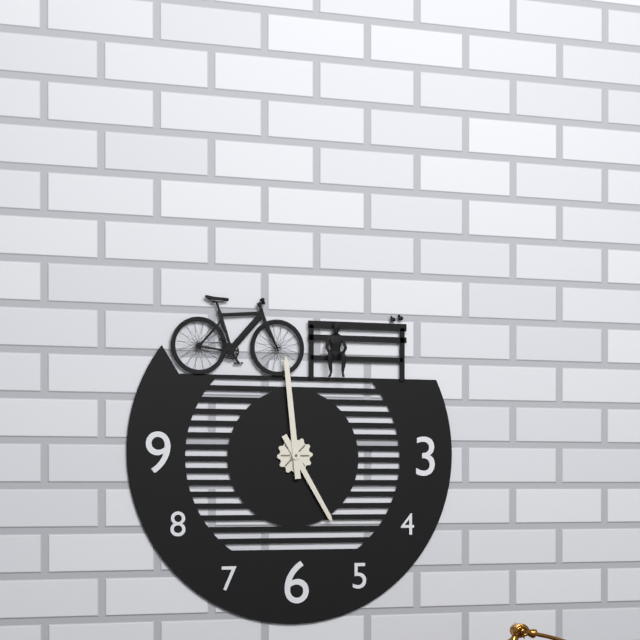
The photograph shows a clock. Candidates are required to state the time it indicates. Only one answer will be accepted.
4:59
